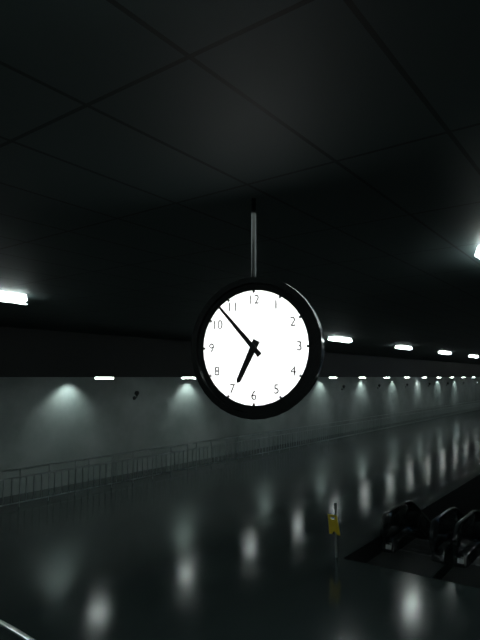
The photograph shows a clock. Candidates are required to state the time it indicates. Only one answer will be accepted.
6:53
